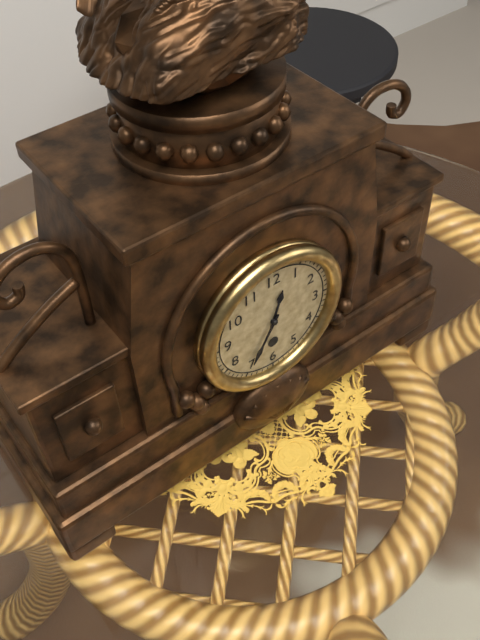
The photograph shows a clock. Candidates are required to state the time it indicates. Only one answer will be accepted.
12:35
